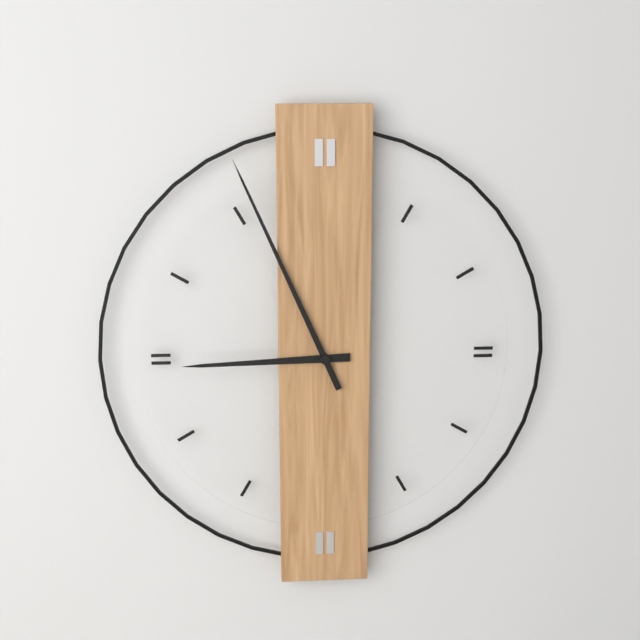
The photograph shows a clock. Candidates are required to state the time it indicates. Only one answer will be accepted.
8:56
